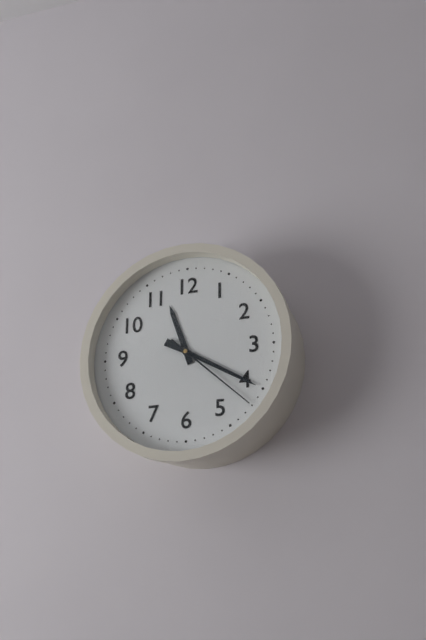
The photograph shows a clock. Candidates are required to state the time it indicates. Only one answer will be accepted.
11:20:22
